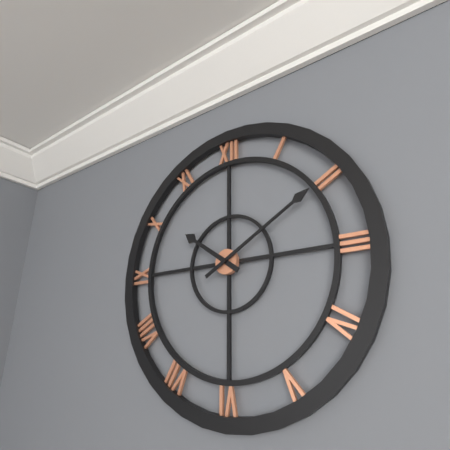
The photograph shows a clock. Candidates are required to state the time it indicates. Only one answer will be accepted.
10:10
